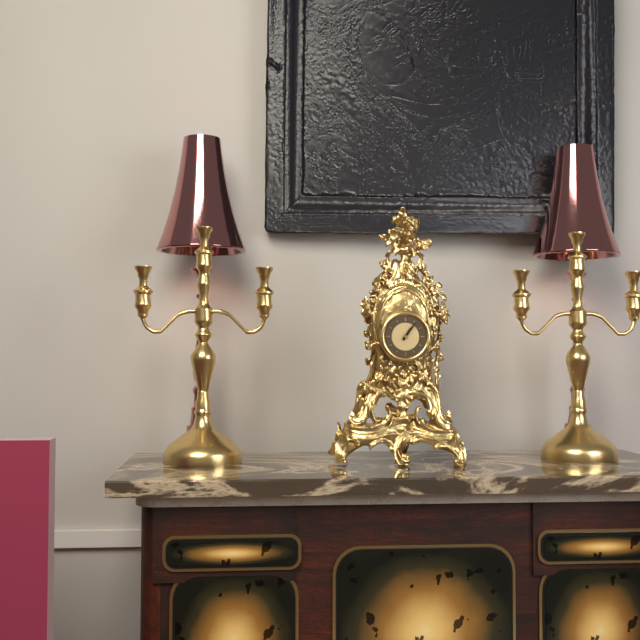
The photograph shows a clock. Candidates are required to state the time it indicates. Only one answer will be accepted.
1:06
